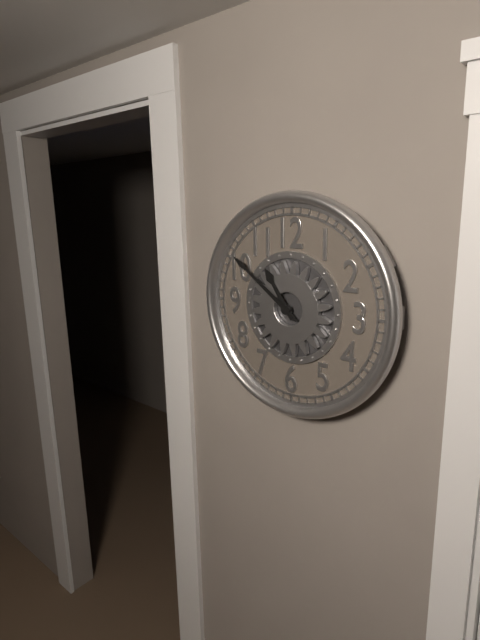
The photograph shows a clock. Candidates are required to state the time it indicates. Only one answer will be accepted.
10:51
